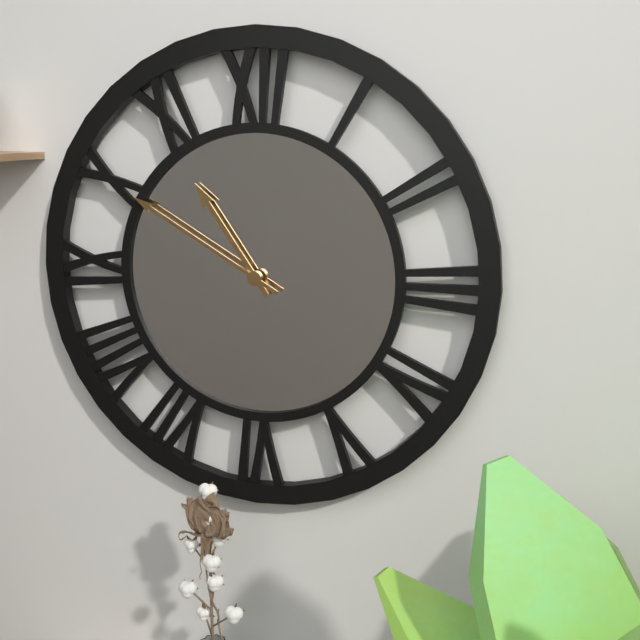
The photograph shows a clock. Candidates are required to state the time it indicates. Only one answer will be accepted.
10:50
